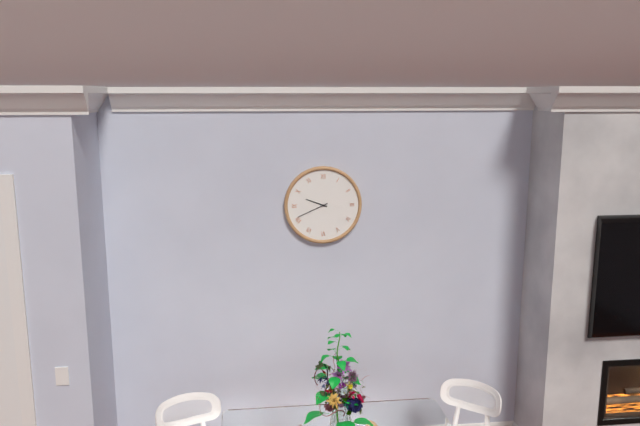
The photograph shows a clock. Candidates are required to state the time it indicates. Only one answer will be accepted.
9:41
